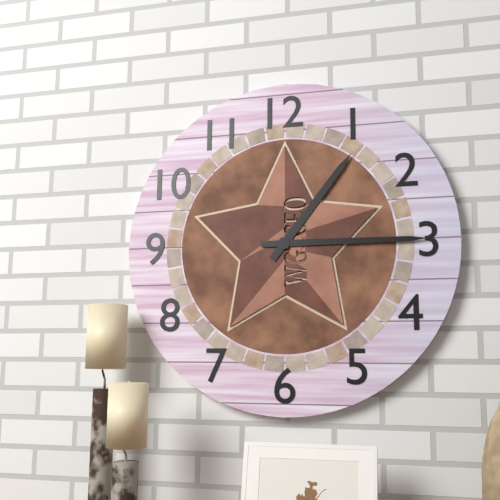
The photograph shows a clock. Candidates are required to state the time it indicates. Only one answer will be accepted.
1:15
